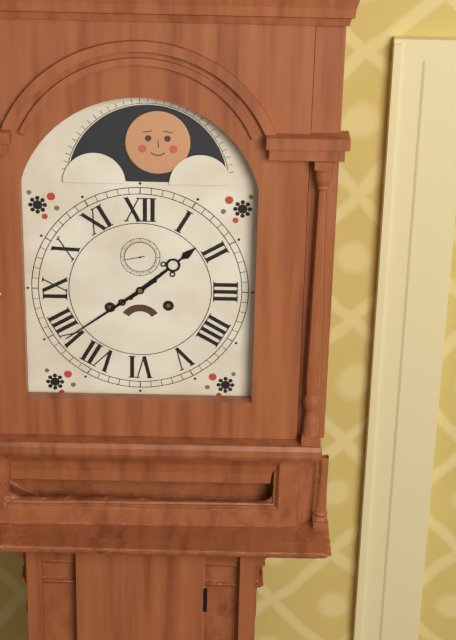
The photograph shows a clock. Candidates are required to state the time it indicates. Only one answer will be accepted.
1:39
